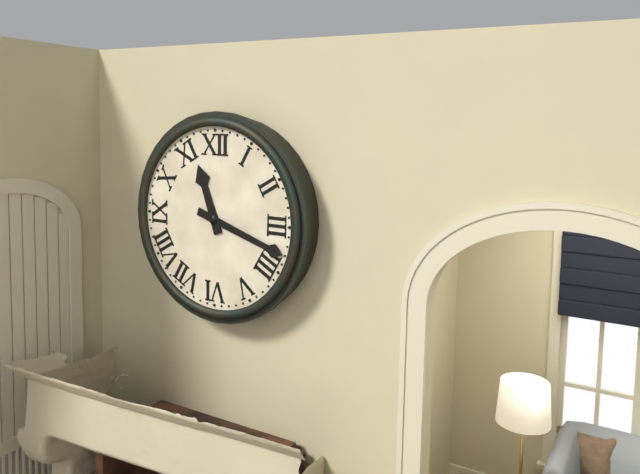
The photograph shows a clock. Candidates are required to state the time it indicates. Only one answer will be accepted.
11:18
